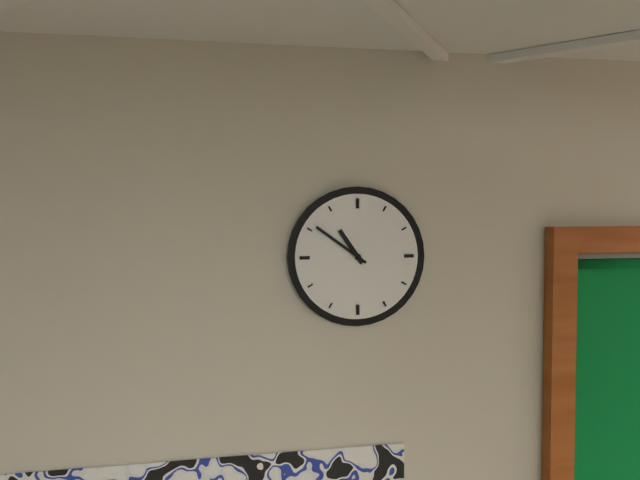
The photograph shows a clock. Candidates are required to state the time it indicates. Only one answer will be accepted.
10:51
